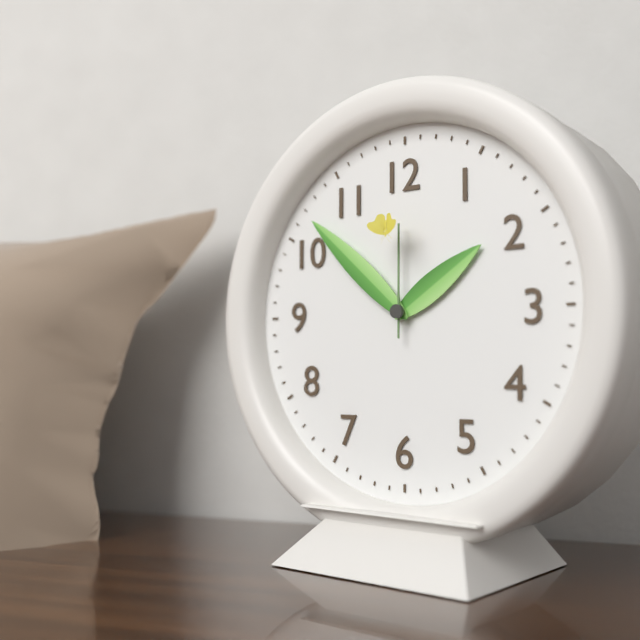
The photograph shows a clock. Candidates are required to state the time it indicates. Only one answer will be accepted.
1:52:00
